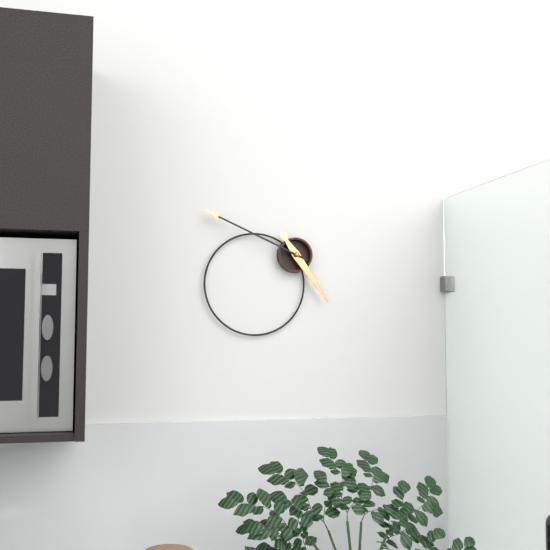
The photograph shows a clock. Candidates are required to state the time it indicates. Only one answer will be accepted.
4:49
